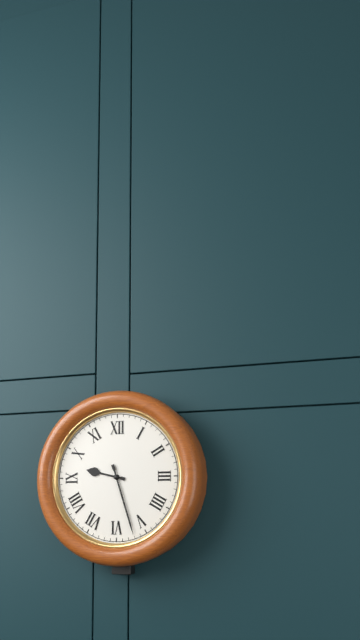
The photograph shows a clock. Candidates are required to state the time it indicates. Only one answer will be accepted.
9:27
